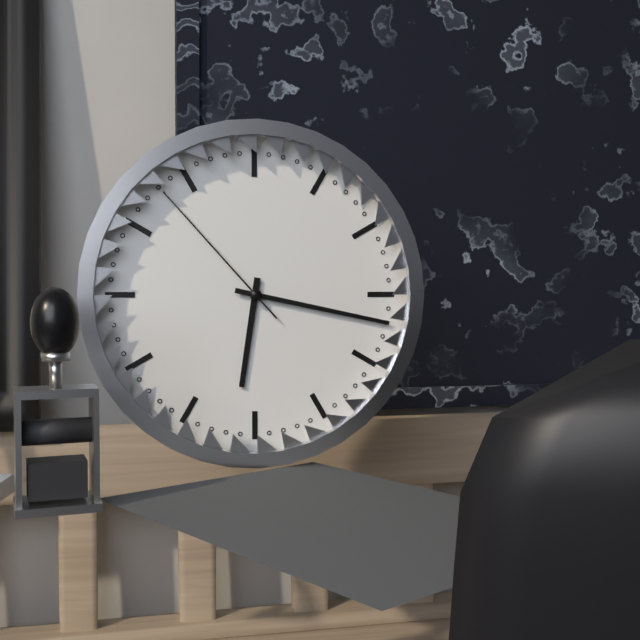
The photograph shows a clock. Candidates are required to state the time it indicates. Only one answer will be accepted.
6:17:53
